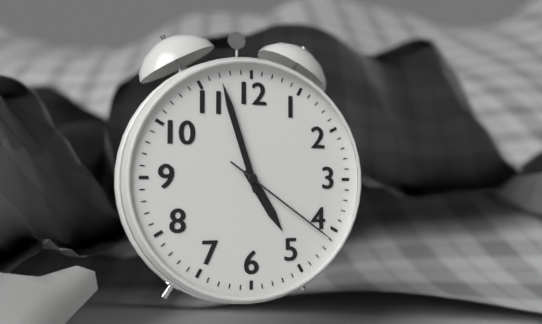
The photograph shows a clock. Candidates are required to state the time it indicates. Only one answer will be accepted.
4:57:21
